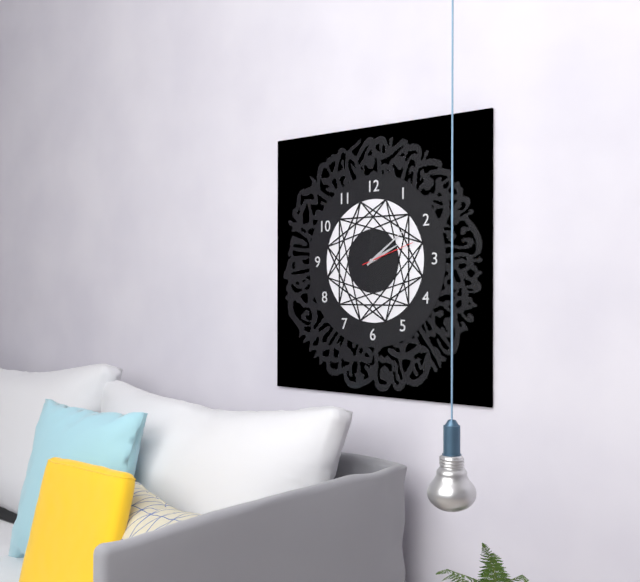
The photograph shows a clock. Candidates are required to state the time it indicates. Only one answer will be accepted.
2:09:12
